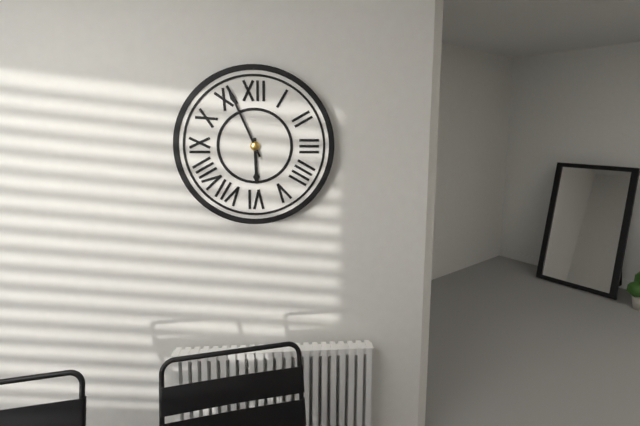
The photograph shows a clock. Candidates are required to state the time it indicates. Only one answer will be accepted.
5:56
